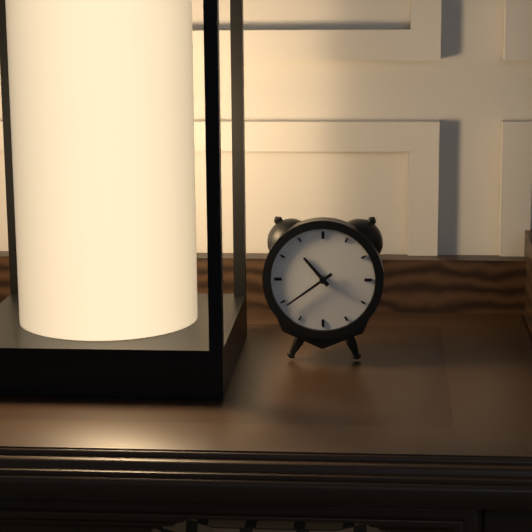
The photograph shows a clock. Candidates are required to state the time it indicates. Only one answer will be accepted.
10:39
